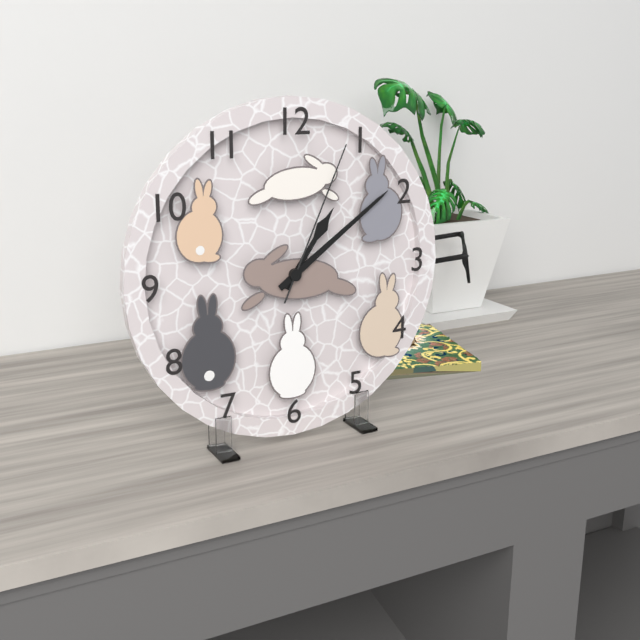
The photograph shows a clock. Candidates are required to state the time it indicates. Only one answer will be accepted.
1:09:04
